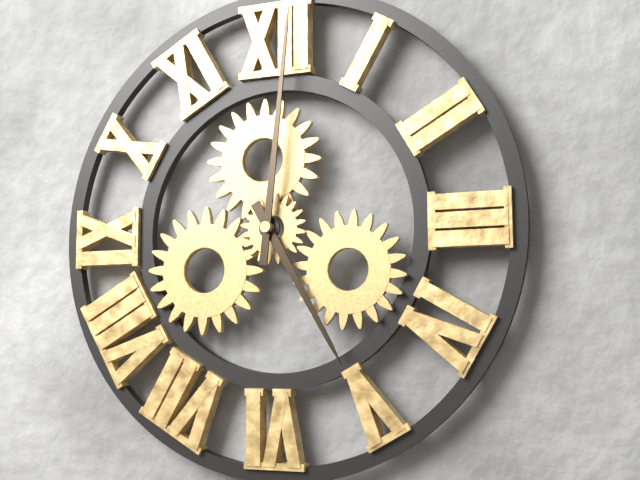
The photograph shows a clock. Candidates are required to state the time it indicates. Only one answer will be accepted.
5:01
